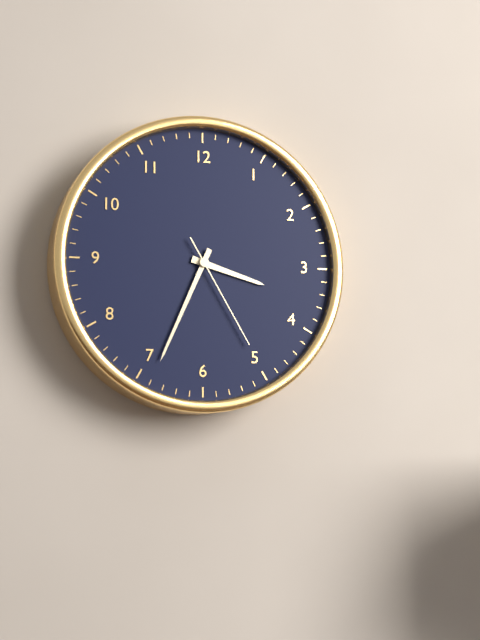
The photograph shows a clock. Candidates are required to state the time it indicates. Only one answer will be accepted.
3:34:25
